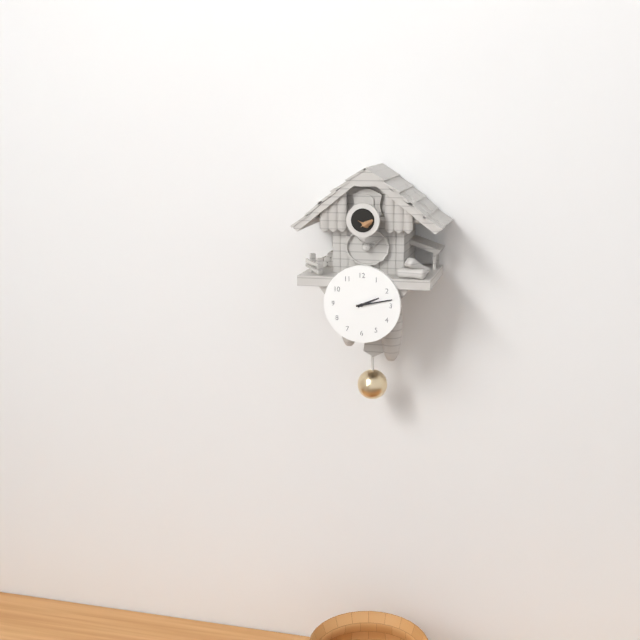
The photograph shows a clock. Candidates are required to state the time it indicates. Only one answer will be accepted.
2:13
